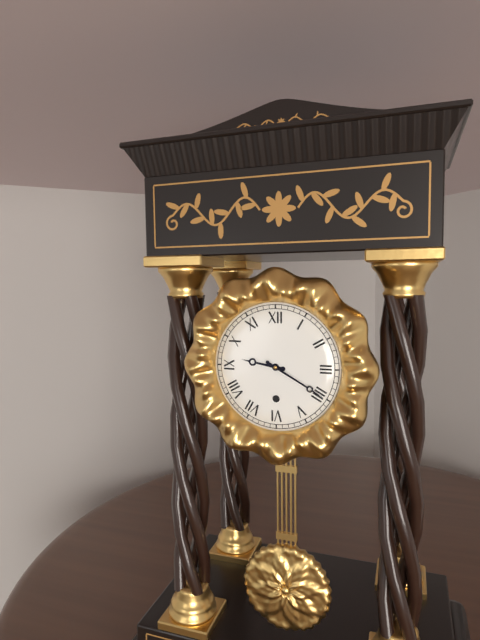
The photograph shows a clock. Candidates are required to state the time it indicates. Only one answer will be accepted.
9:20
